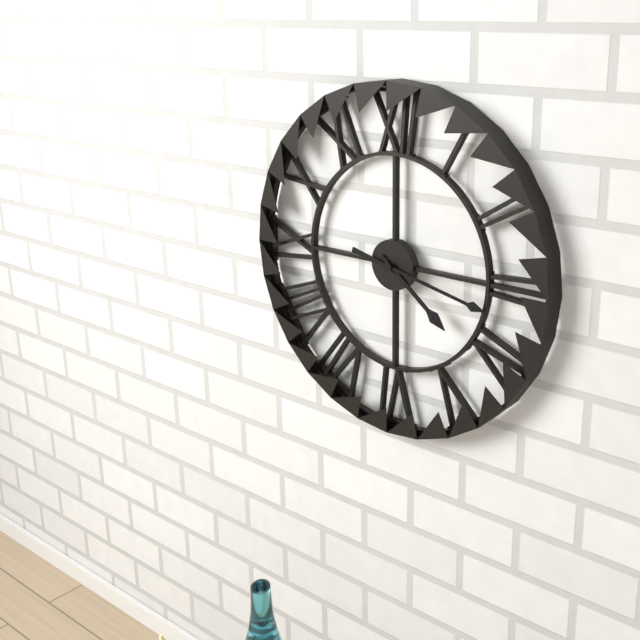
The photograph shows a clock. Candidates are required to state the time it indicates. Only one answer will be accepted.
4:17
